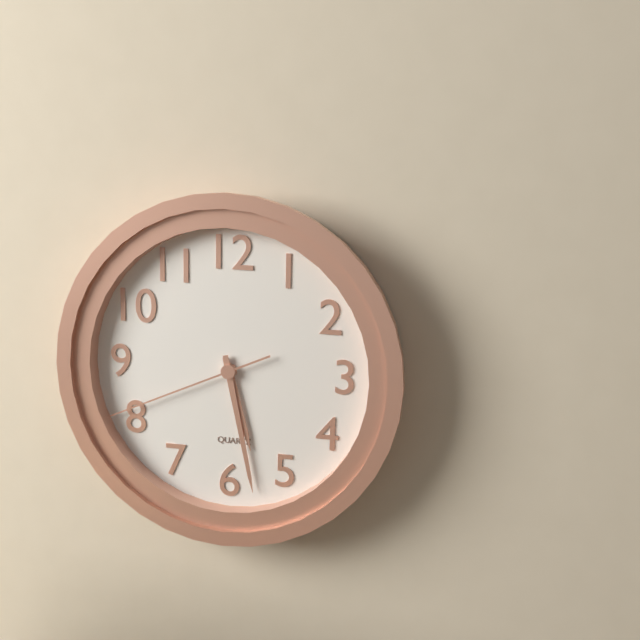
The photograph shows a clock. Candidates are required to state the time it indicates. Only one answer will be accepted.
5:28:41
